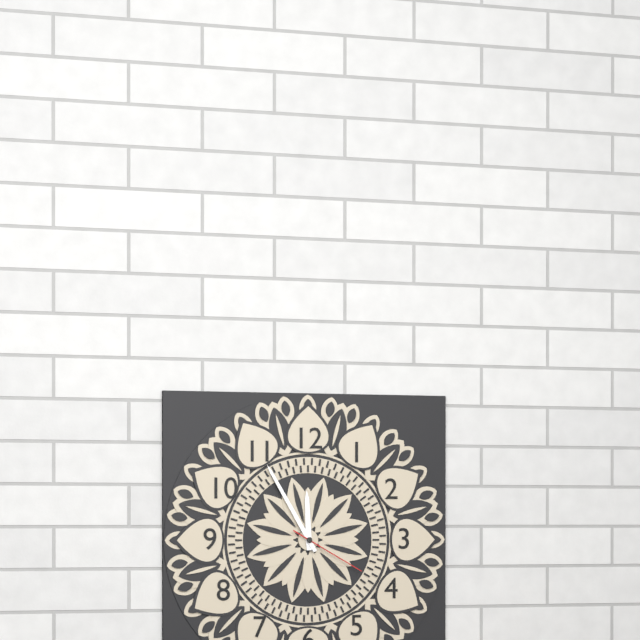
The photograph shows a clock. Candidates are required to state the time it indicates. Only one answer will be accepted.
11:55:20
